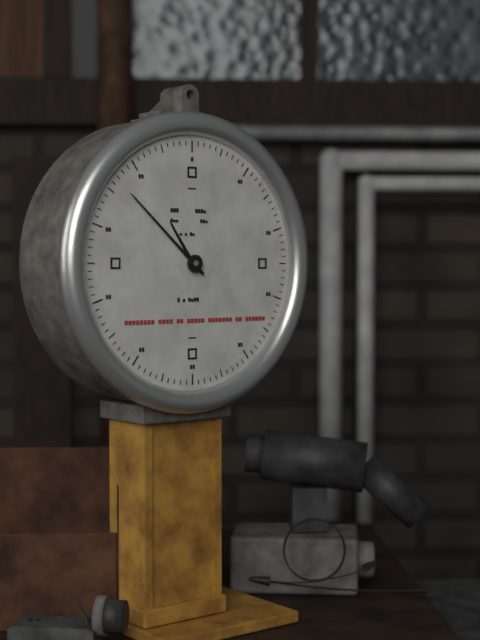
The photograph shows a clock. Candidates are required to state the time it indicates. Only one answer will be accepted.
10:52
